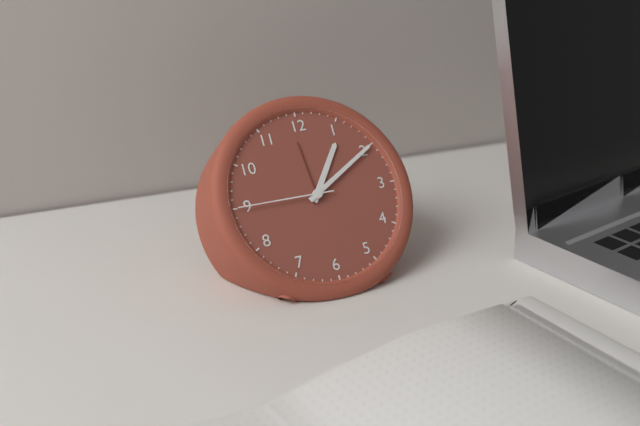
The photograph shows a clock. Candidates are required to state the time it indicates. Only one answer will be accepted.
1:10:45
